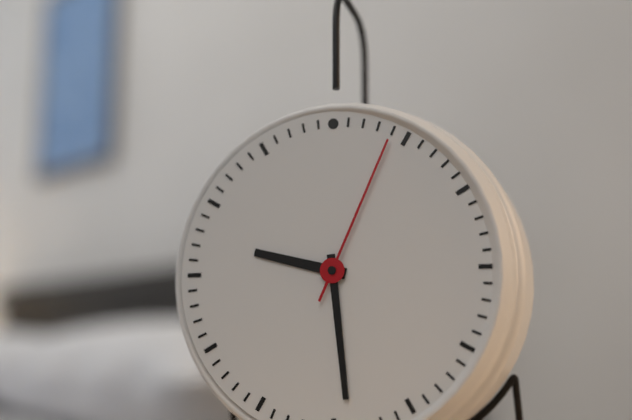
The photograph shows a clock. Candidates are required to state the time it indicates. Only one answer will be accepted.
9:29:04
